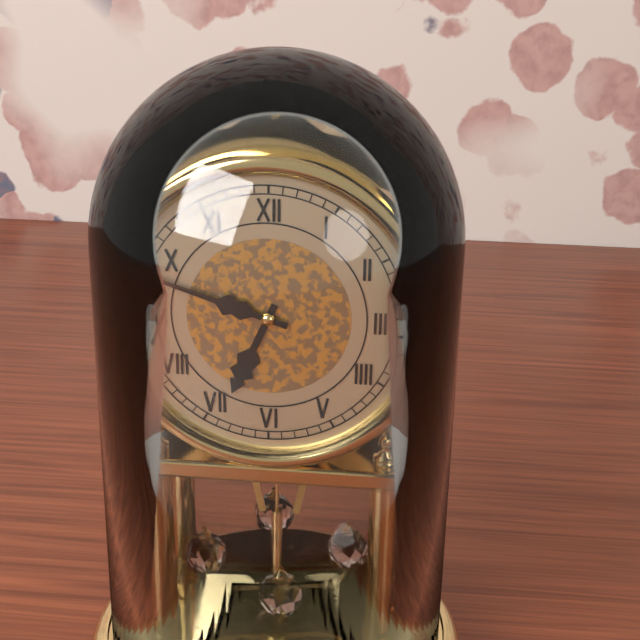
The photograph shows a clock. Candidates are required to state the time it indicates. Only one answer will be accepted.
6:48
